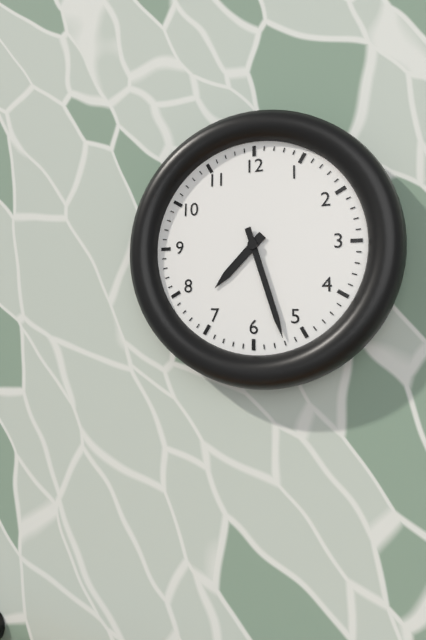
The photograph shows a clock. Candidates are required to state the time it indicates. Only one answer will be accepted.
7:27
